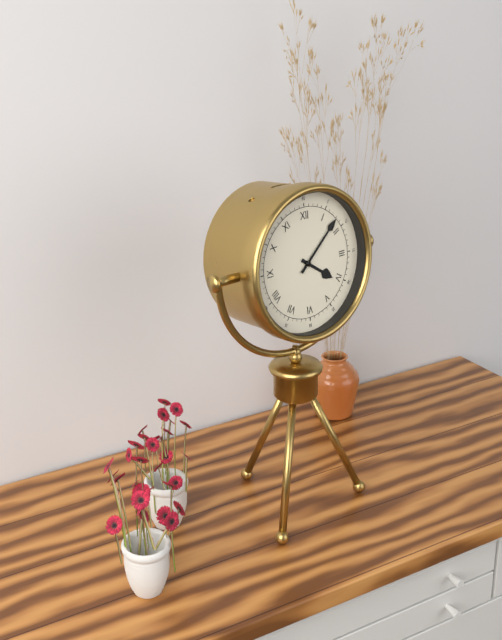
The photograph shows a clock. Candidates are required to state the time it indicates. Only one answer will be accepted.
4:08
